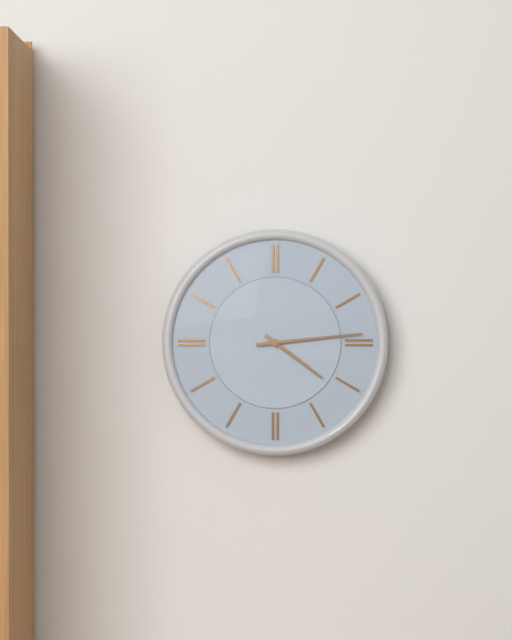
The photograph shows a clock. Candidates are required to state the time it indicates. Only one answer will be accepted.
4:14
